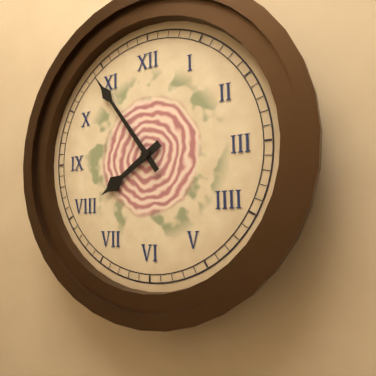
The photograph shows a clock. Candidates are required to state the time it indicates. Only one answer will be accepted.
7:54
